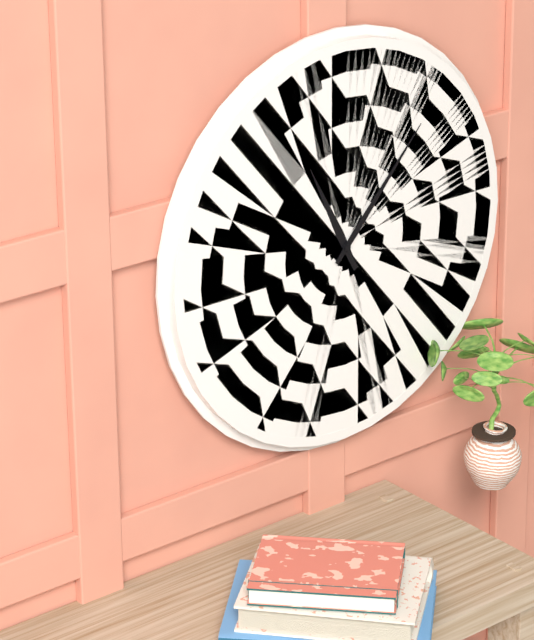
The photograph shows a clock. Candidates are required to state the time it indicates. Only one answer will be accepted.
11:07
